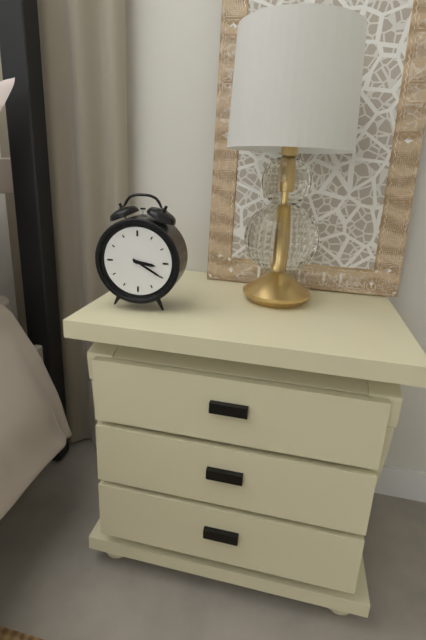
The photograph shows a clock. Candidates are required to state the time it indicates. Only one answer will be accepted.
3:20
